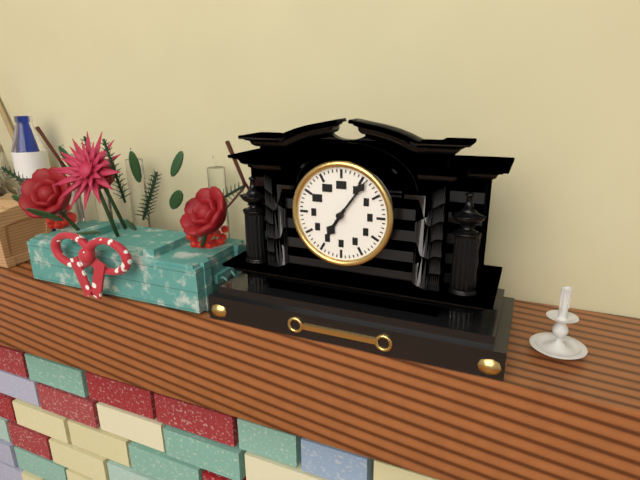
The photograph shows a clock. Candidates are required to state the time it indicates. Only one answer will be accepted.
7:06
